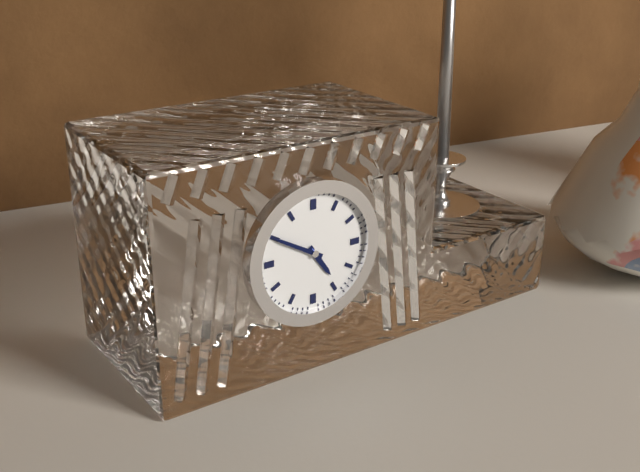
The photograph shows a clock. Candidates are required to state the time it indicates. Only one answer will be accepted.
4:50
